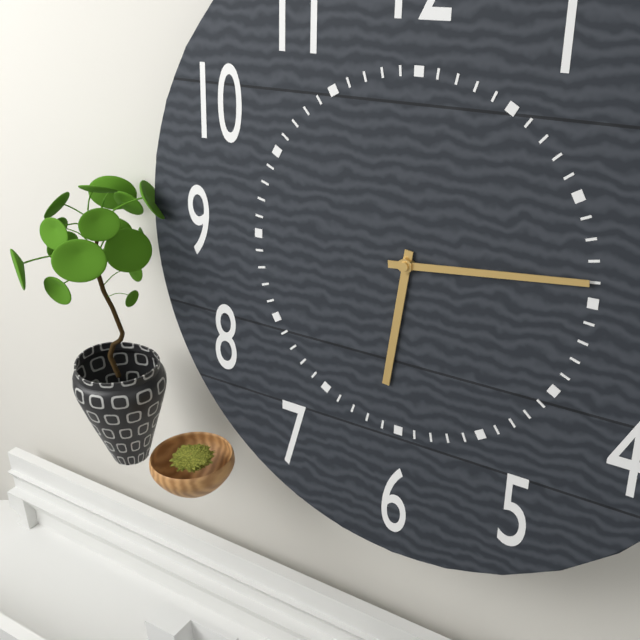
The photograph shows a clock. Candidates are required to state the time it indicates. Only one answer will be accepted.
6:14
